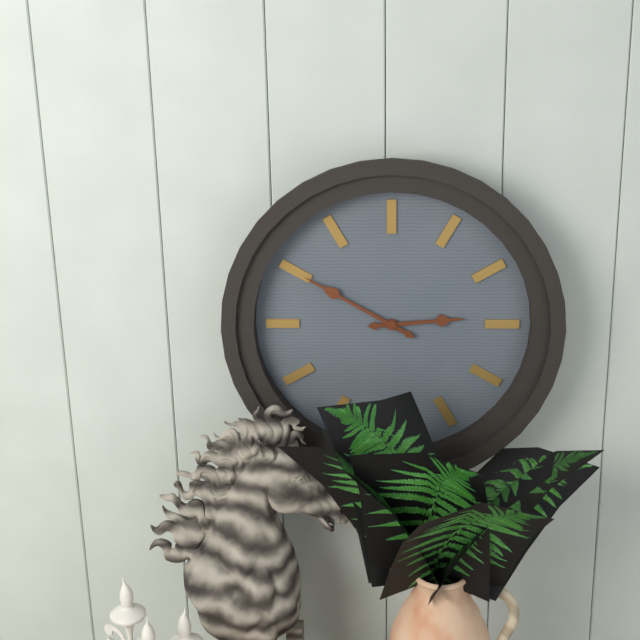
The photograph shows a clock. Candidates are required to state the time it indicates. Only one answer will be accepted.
2:50
